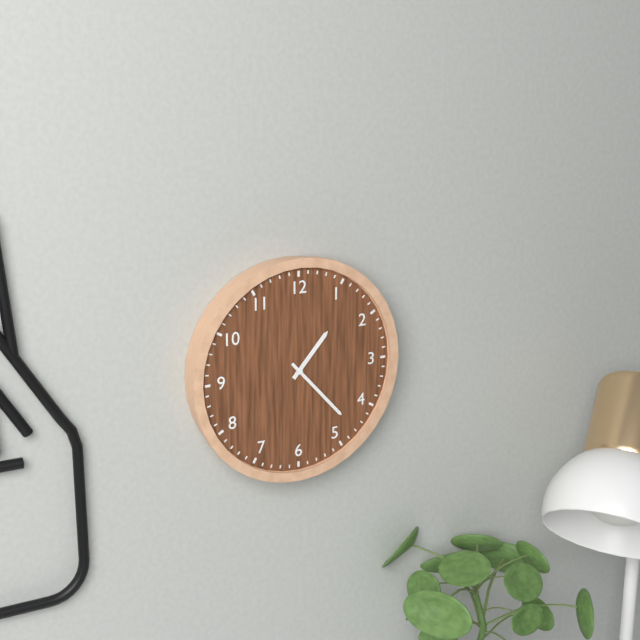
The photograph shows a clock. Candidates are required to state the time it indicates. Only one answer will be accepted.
1:23
